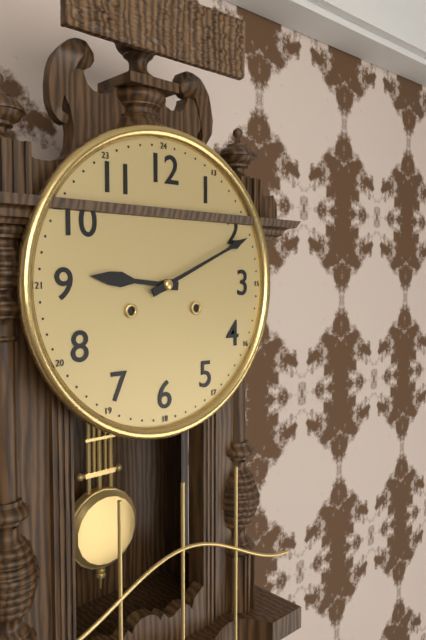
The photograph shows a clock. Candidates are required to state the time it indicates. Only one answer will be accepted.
9:11
